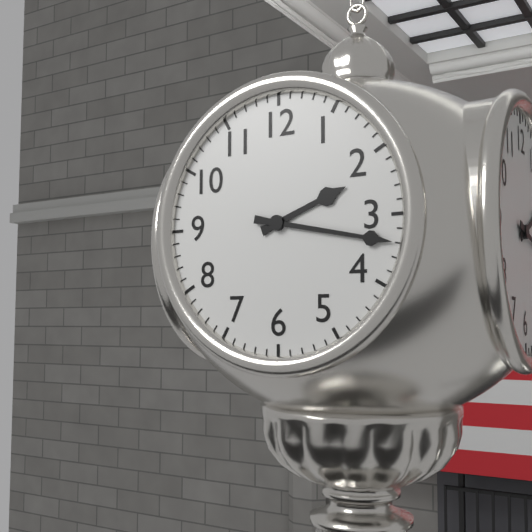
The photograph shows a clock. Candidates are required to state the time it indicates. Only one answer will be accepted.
2:17
